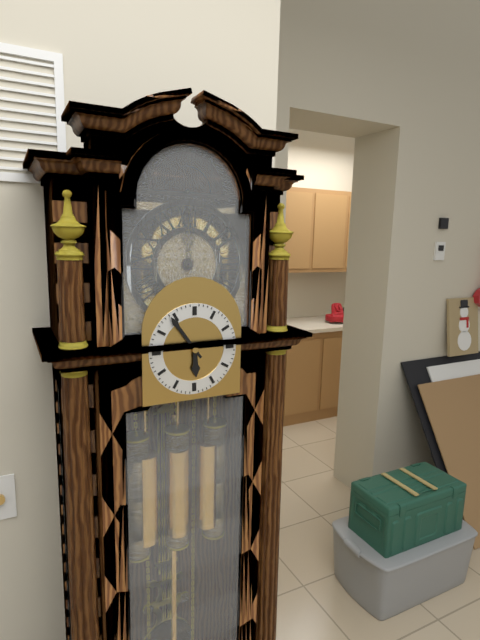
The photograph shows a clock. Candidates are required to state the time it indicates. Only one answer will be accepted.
5:54
